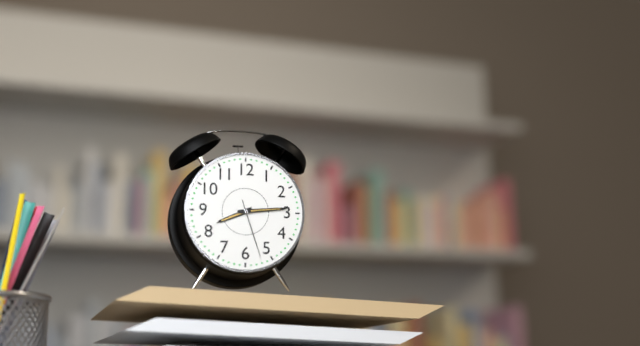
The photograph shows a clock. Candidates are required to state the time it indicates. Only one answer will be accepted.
8:14:27
